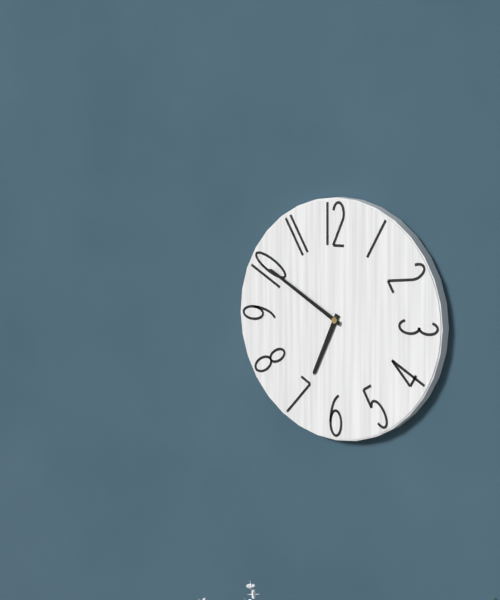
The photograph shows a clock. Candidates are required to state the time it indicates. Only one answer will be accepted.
6:50
